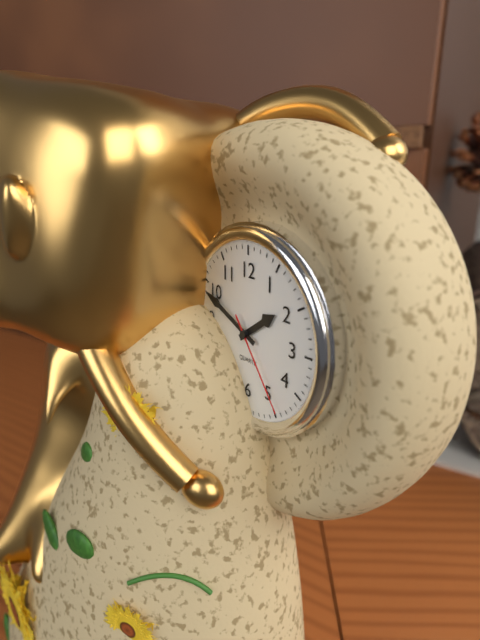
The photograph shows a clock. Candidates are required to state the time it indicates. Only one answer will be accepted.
1:49:24
